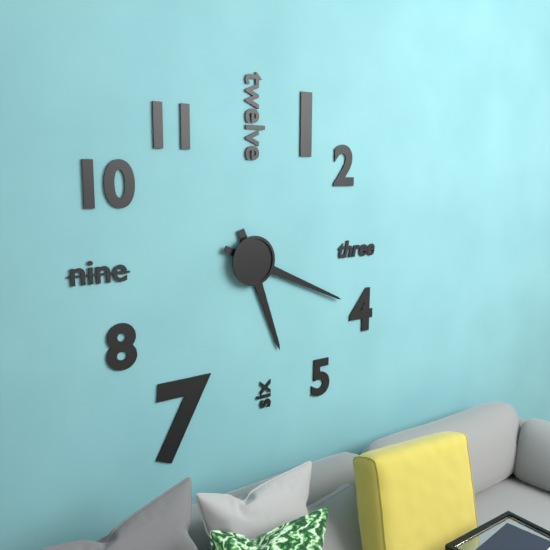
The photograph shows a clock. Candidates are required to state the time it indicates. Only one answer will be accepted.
5:19
